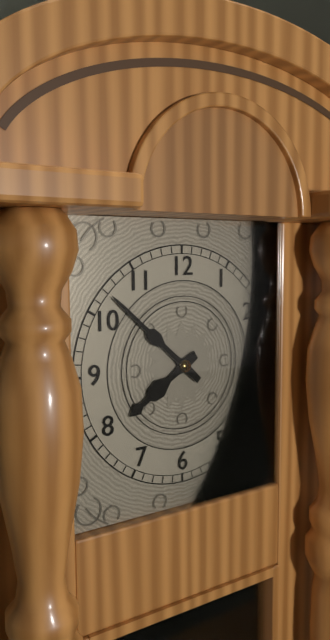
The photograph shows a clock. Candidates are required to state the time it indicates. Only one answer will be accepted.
7:52
